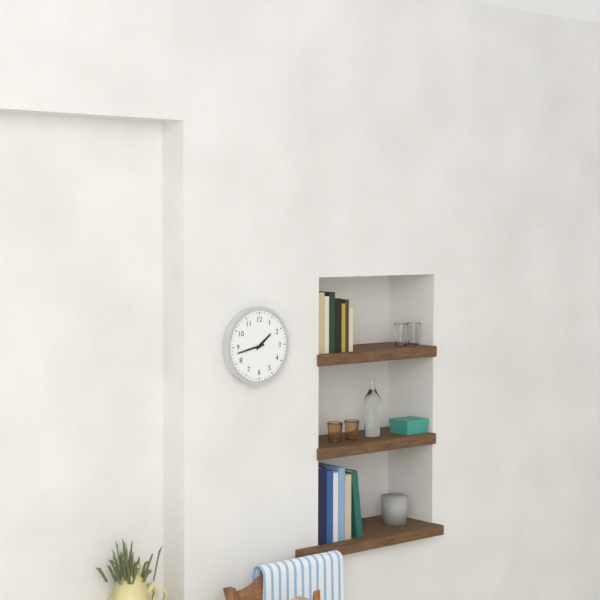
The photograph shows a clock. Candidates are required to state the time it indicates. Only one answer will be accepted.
1:43
